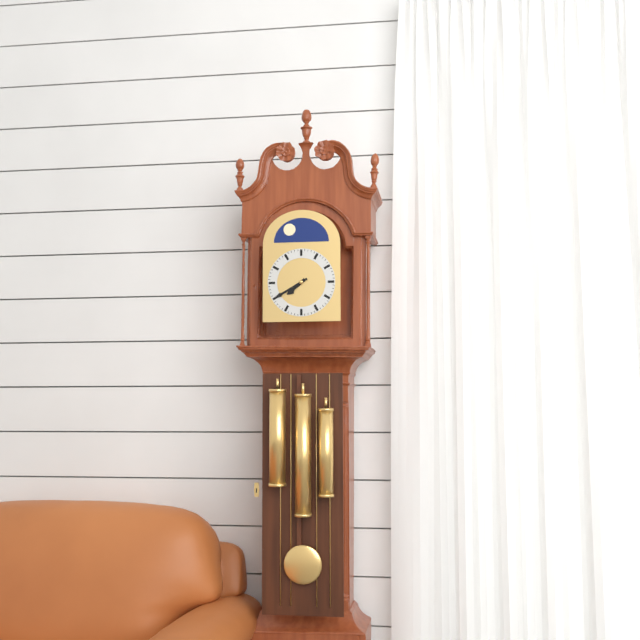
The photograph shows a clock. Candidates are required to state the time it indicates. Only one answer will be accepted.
7:40
